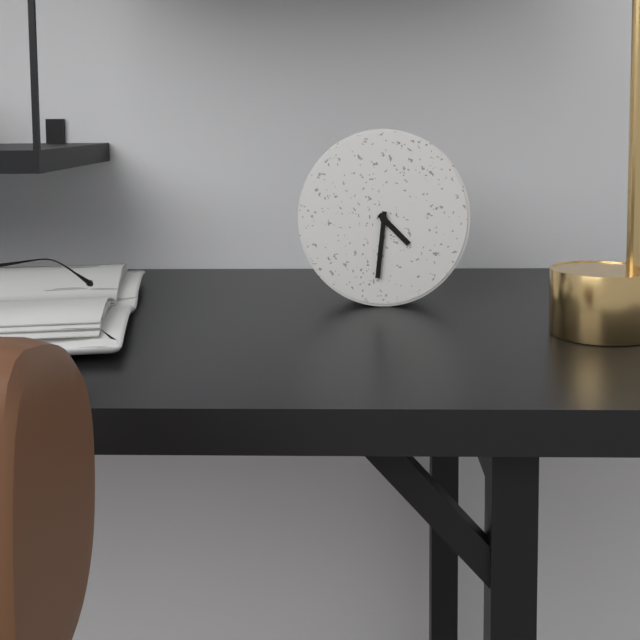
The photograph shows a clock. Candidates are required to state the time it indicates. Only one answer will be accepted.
4:31
